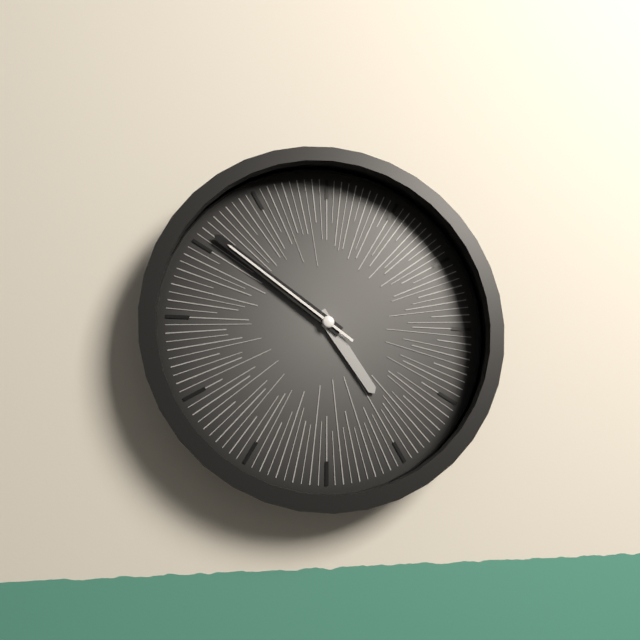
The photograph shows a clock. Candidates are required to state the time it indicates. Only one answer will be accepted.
4:51:51
